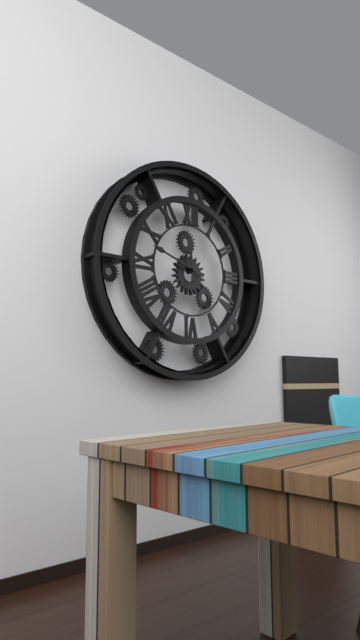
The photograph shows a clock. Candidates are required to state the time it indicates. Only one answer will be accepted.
11:48
